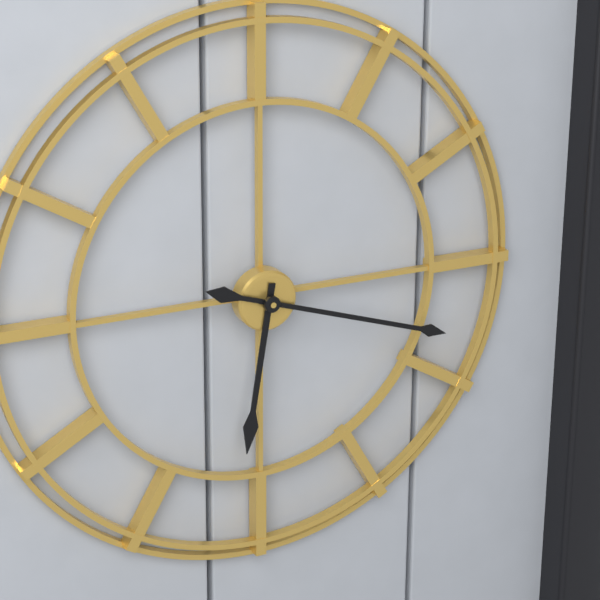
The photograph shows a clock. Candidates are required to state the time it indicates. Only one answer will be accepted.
6:18
